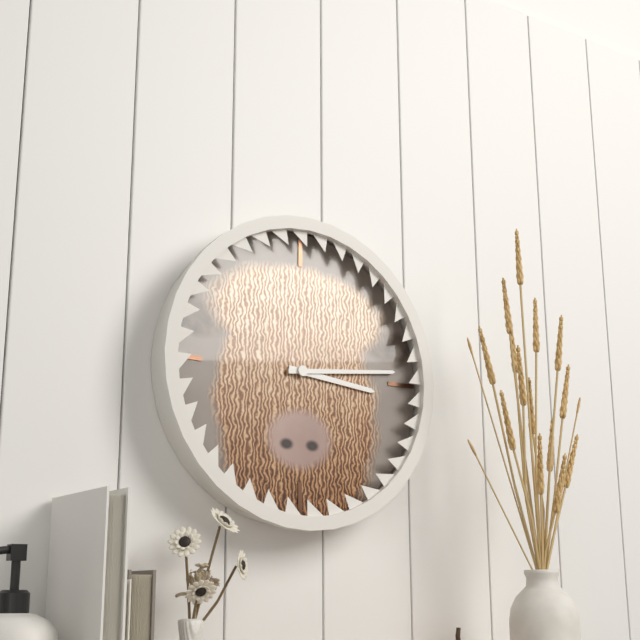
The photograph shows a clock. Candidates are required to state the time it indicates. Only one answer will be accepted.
3:14
